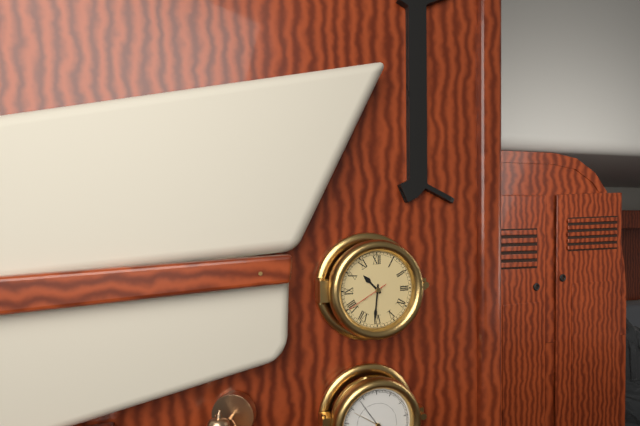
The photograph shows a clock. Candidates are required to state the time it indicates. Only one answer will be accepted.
10:31
